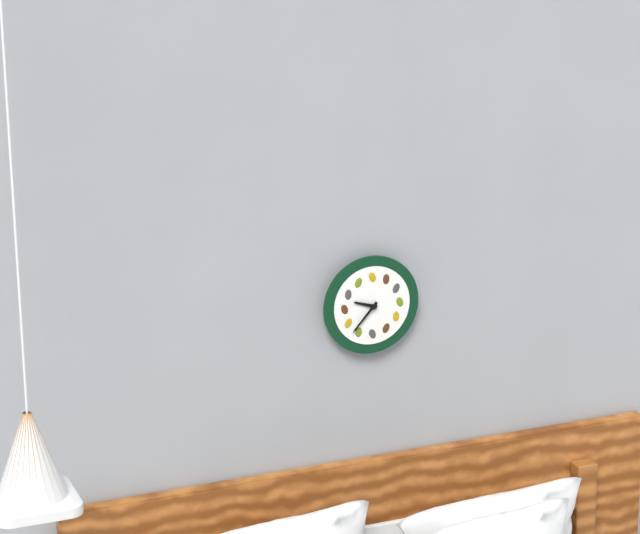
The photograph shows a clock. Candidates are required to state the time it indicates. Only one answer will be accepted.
9:37
